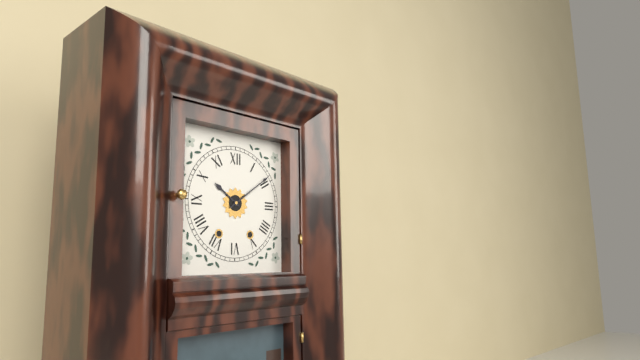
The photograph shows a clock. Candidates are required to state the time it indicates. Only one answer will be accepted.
10:09
